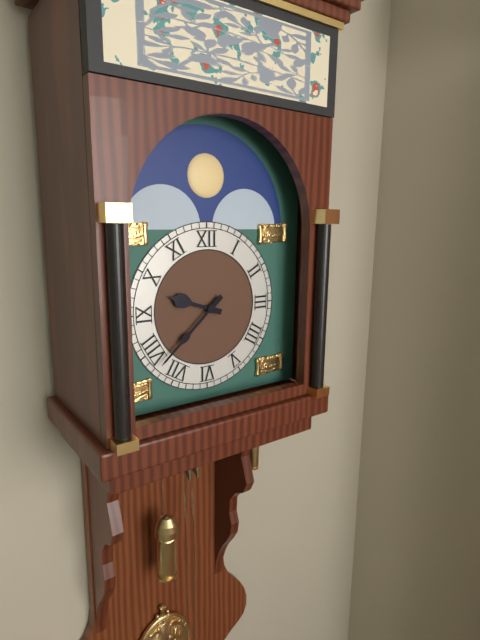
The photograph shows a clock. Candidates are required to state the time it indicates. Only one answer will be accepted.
9:38
